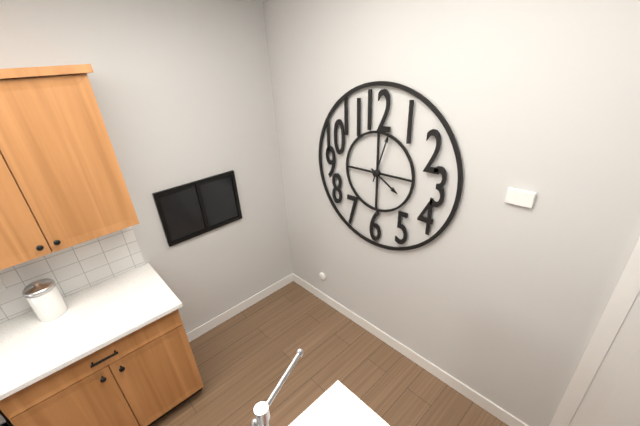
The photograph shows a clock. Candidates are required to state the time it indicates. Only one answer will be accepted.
4:03
